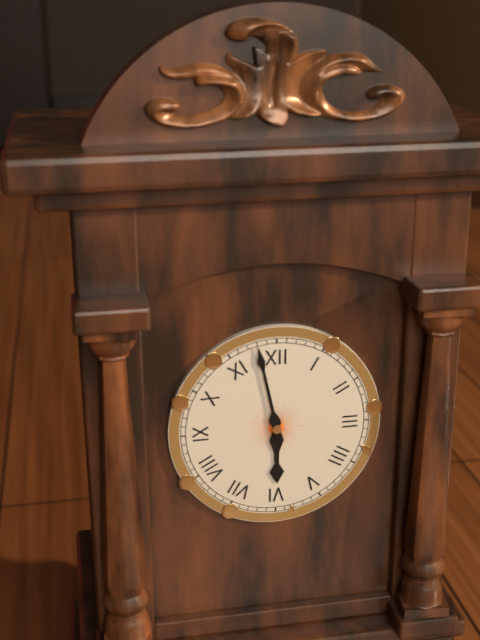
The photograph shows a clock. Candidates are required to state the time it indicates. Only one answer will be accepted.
5:58
